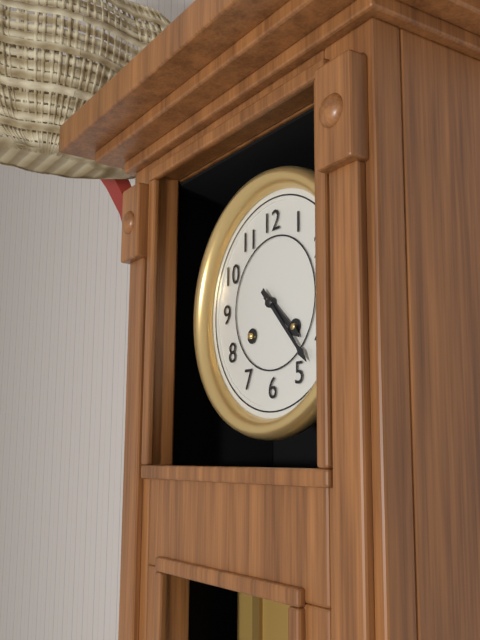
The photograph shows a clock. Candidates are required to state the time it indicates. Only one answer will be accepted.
4:23
